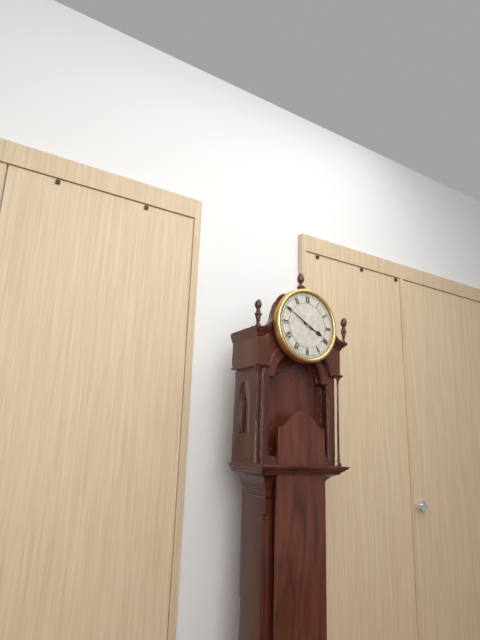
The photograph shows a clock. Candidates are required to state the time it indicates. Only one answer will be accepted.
3:50
